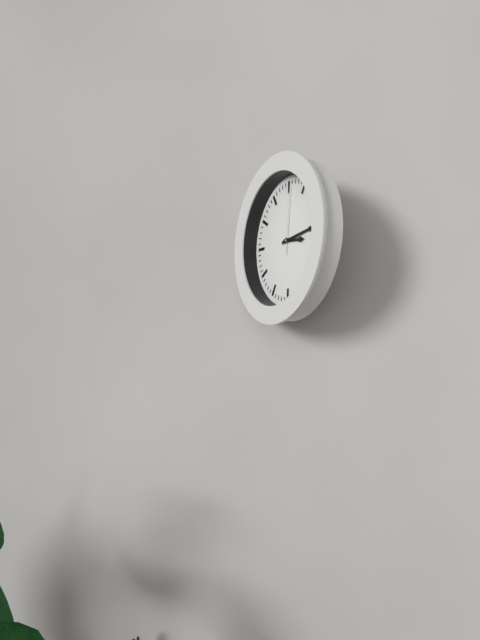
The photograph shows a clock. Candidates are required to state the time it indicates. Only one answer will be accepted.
3:14:01
